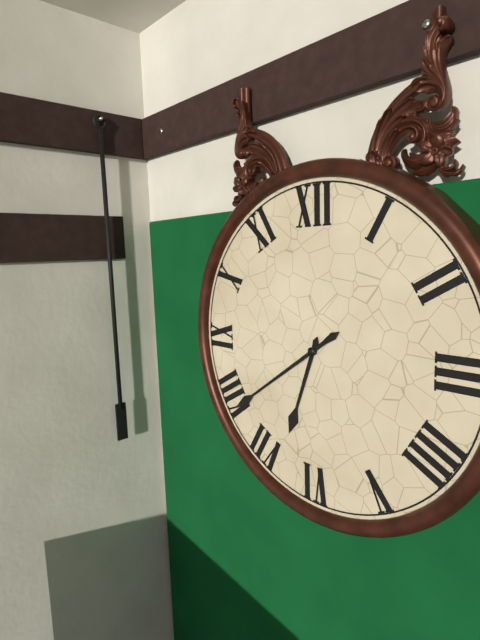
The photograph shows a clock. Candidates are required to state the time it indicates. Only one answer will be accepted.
6:39
